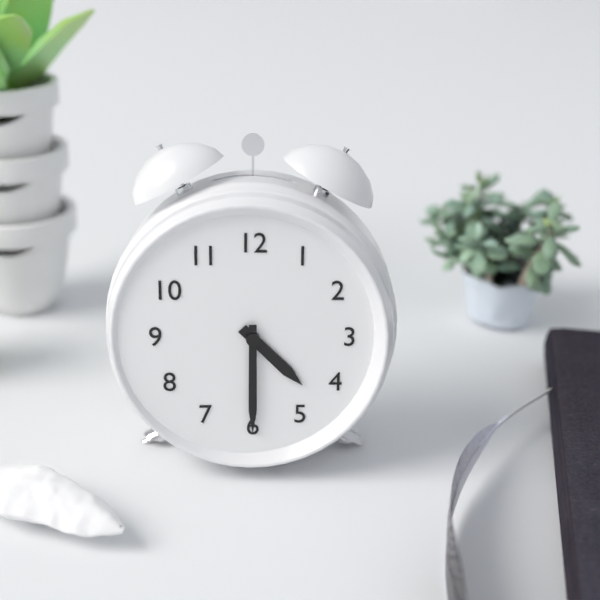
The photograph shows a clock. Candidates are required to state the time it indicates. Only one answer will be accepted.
4:30
